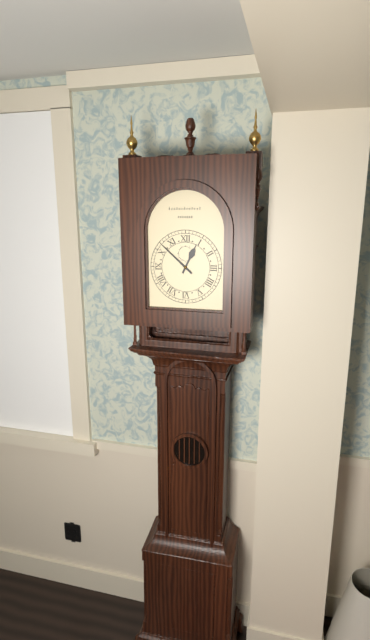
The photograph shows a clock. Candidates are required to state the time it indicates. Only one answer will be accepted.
12:52
